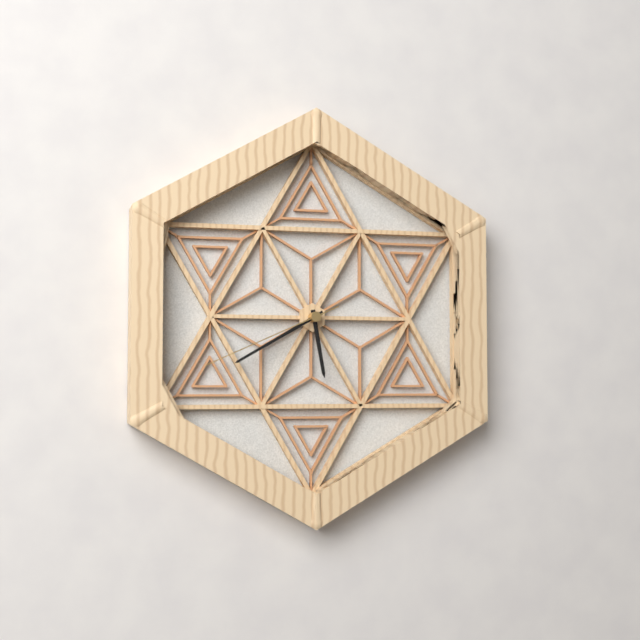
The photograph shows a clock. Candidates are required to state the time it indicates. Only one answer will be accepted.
5:40:41
